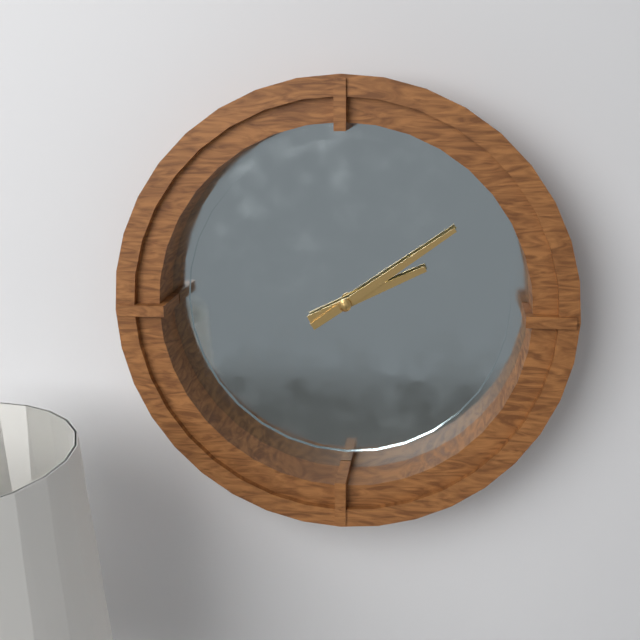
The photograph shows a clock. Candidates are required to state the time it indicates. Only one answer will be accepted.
2:09
